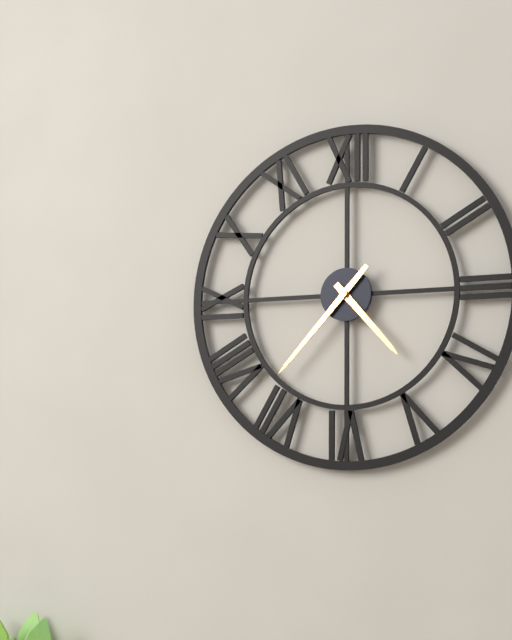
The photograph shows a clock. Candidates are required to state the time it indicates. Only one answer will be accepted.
4:37
